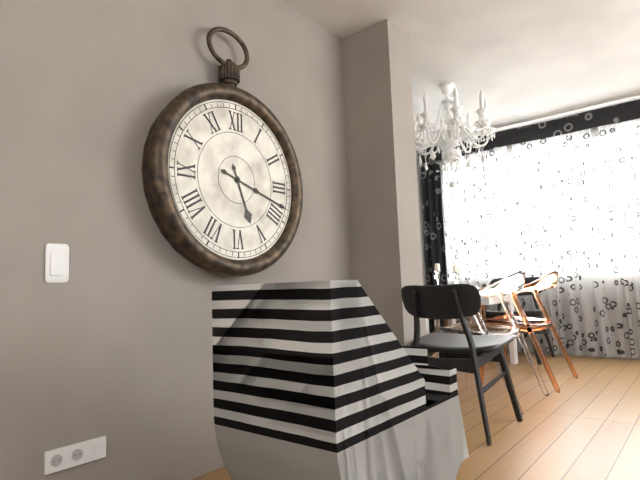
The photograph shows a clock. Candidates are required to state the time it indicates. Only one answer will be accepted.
5:18
